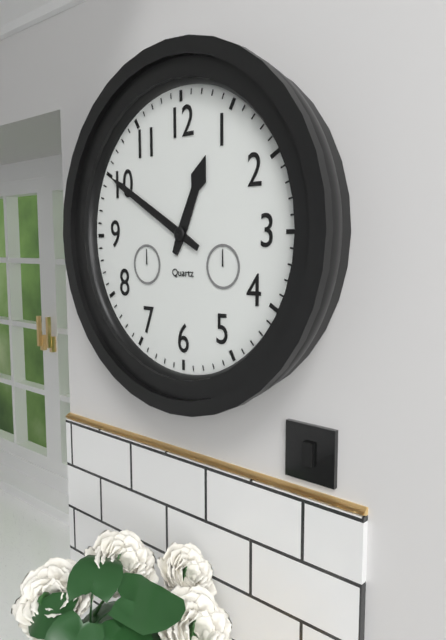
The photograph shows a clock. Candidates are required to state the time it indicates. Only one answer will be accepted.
12:50
